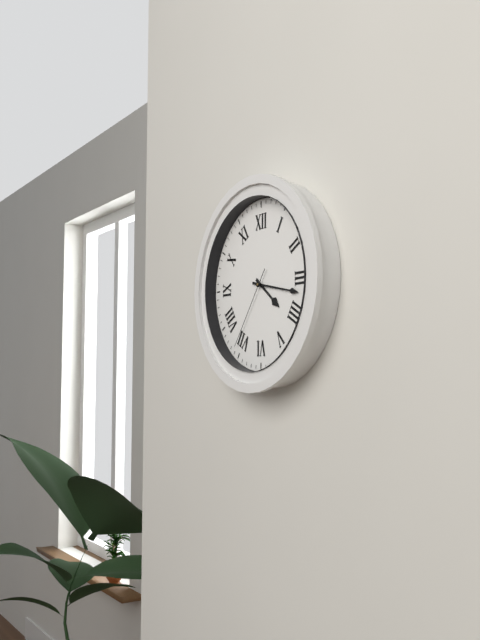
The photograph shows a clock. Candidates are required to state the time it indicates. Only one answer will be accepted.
4:17:36
